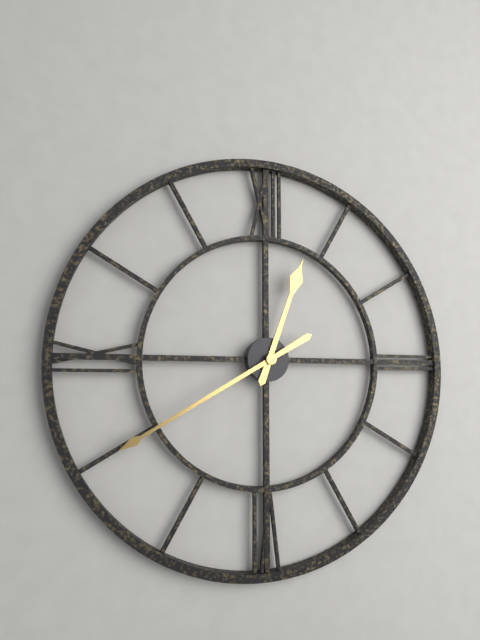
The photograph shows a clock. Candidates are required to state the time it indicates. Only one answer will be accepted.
12:40
